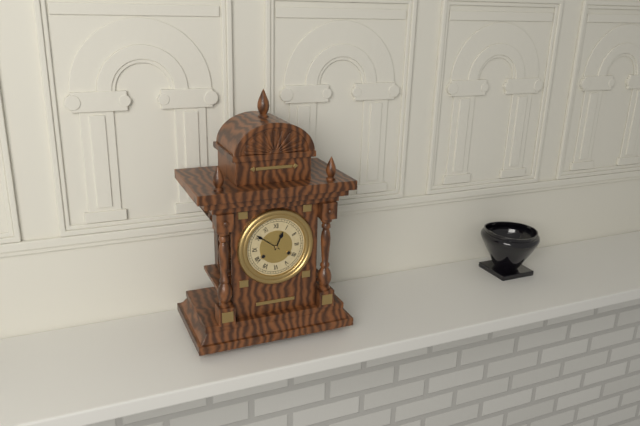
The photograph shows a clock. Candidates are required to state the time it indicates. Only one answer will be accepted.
12:51
